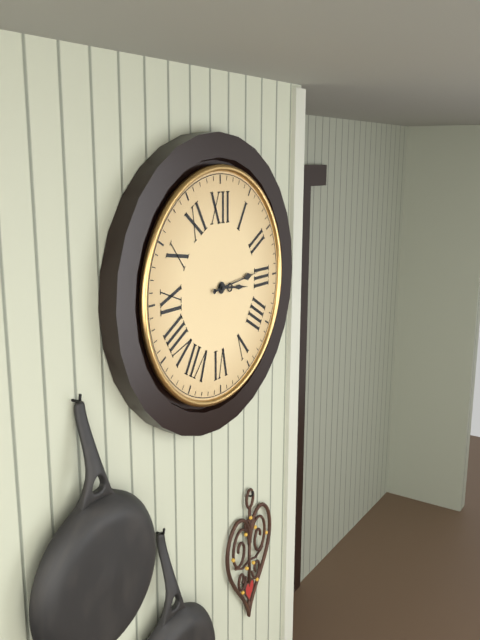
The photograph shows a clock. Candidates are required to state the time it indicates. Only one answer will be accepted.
3:14
